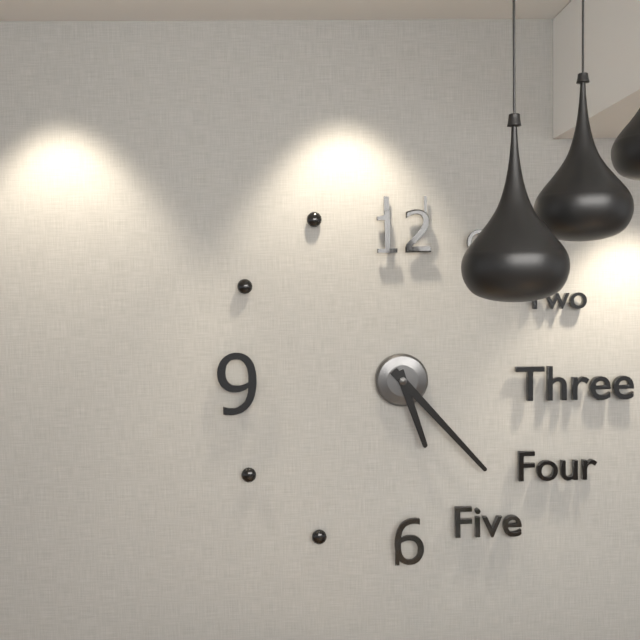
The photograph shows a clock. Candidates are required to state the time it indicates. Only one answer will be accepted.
5:23
